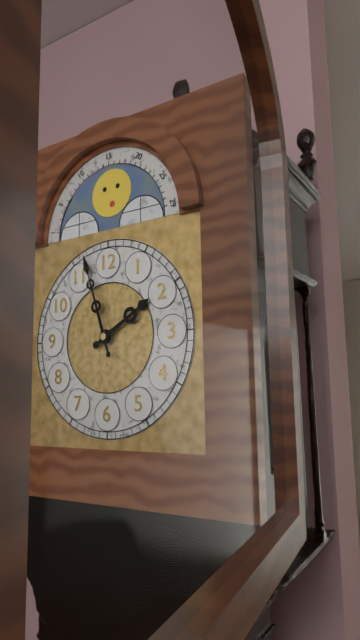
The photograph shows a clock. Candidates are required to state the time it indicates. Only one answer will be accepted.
1:57
